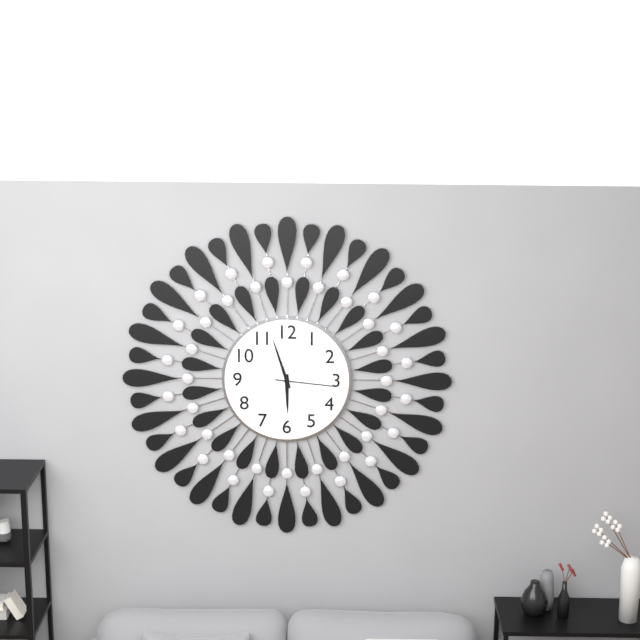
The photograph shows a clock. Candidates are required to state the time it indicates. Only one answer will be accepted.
5:57:16
